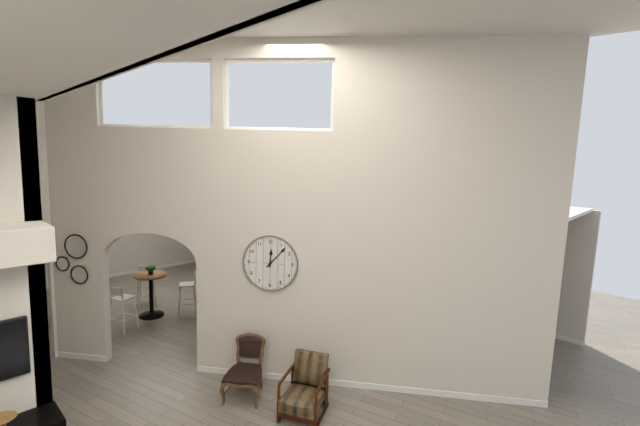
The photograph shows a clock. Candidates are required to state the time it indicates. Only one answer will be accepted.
12:07
